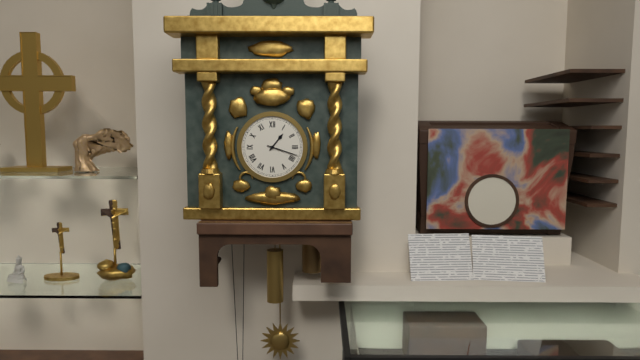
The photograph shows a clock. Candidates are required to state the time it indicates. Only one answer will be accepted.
1:18
